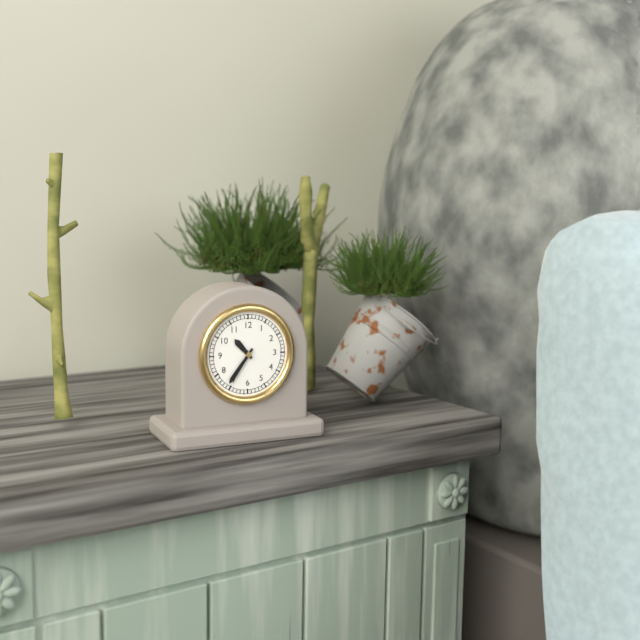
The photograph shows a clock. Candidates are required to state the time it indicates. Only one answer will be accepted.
10:36
